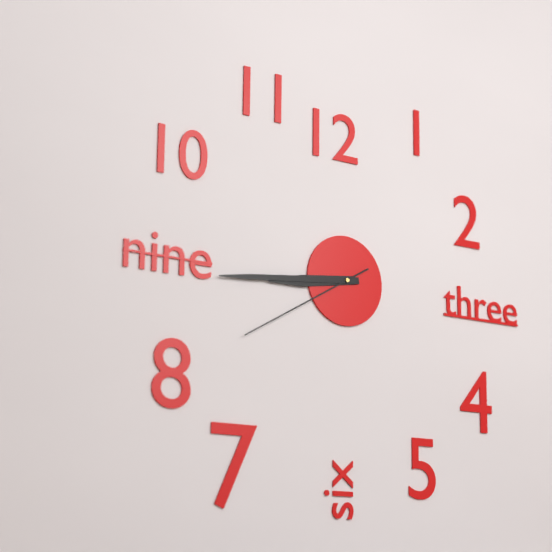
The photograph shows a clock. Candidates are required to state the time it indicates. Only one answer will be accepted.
8:44:40
